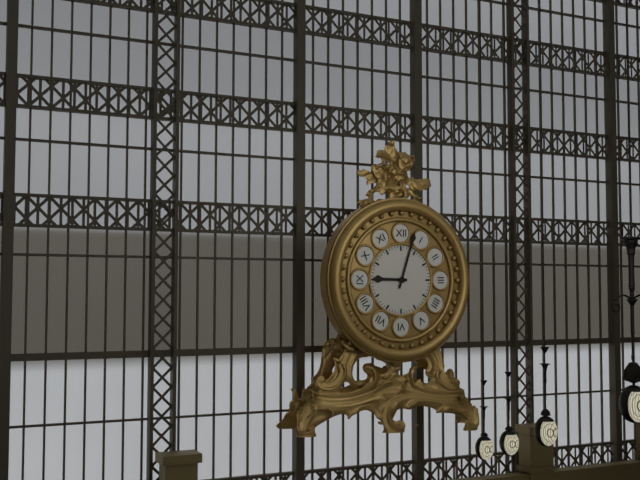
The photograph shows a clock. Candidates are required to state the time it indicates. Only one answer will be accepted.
9:03
